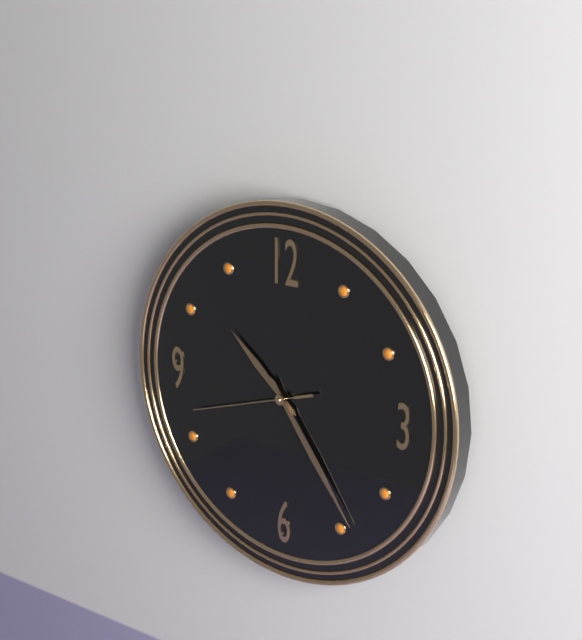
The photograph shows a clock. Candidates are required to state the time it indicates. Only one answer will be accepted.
10:24:42
